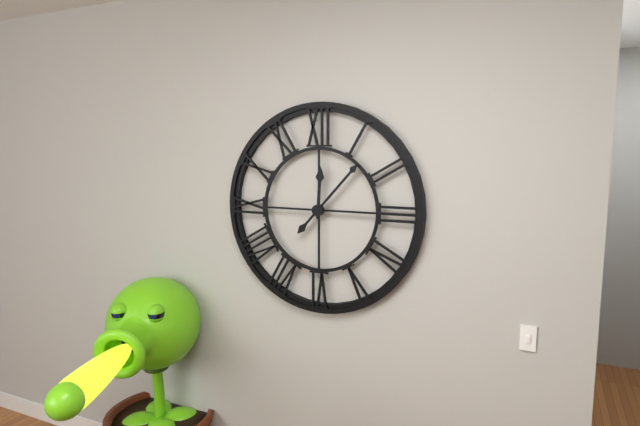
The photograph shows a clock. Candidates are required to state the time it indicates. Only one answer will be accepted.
12:07
